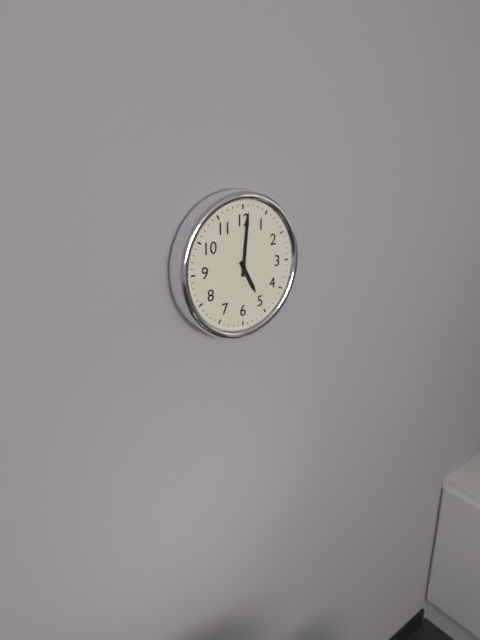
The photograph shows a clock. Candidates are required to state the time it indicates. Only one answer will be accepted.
5:01
